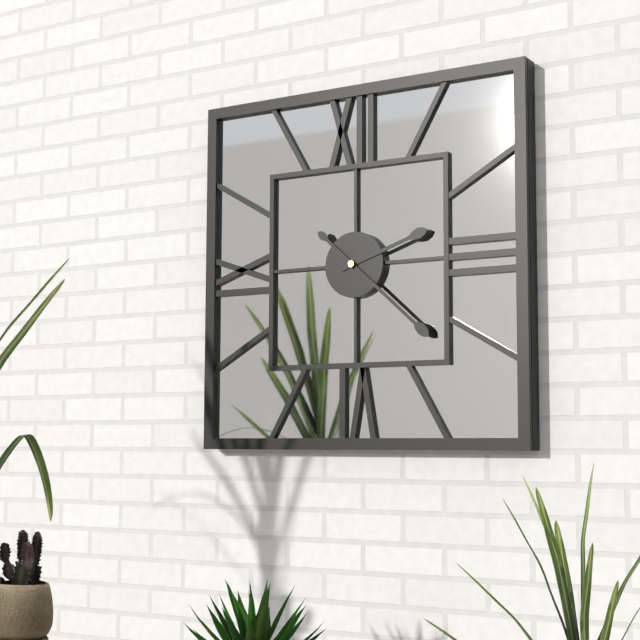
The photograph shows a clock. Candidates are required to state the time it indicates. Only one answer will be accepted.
2:22
